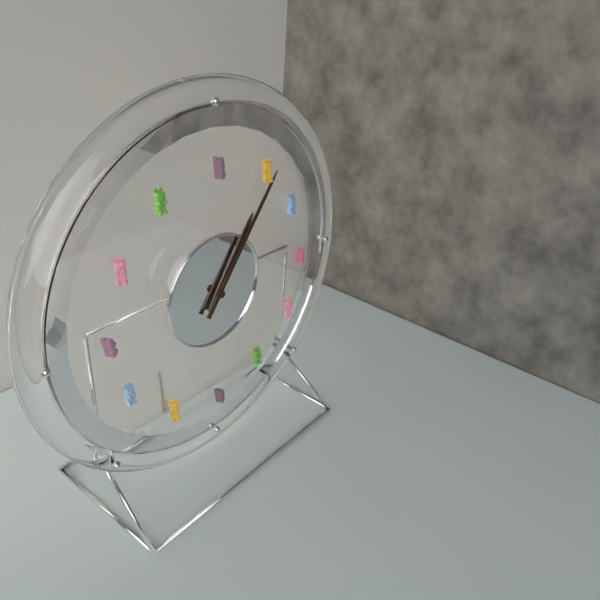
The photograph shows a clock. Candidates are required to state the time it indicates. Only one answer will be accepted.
1:06
